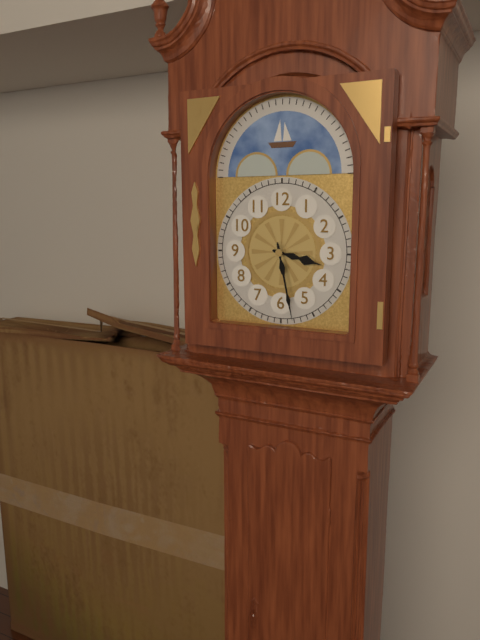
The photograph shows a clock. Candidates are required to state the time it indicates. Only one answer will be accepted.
3:28
